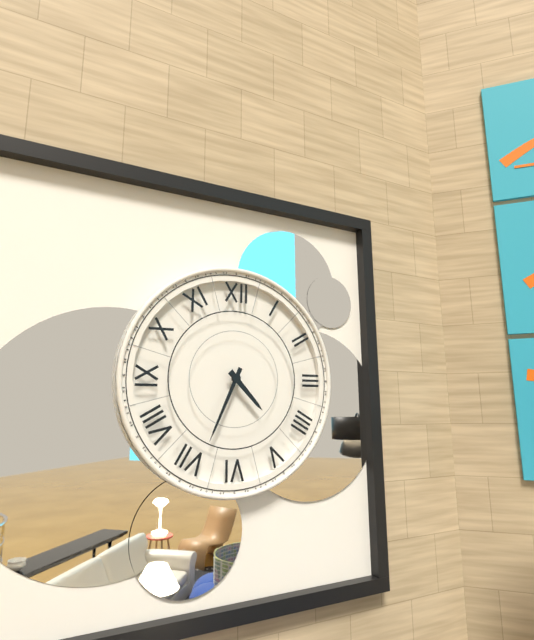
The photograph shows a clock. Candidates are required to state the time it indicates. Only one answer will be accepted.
4:34
